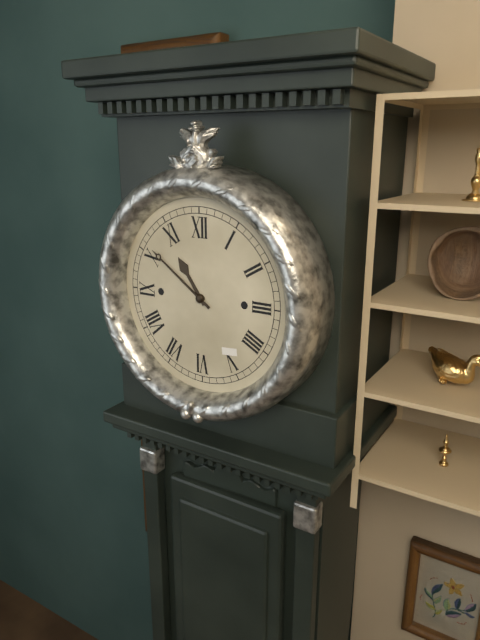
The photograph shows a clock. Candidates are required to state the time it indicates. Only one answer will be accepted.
10:51
